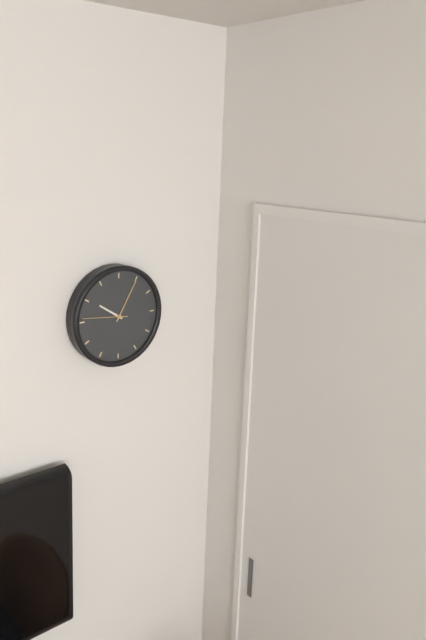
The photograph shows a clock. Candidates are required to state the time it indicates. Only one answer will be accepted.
10:05
